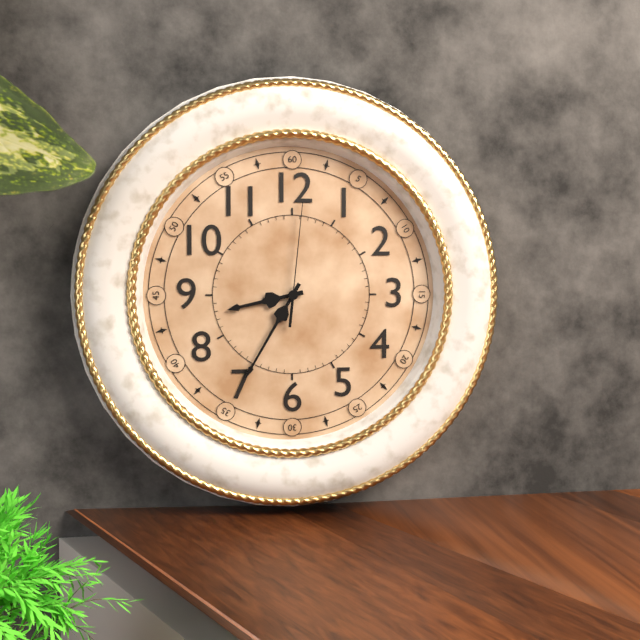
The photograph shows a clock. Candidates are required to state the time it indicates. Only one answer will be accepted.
8:35:01
